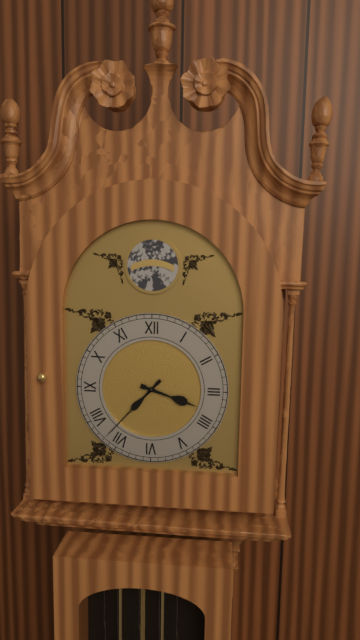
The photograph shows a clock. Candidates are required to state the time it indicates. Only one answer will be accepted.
3:37
